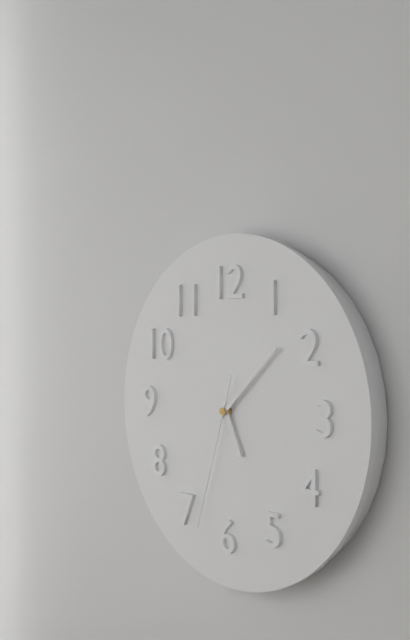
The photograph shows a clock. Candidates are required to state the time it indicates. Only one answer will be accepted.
5:08:33
